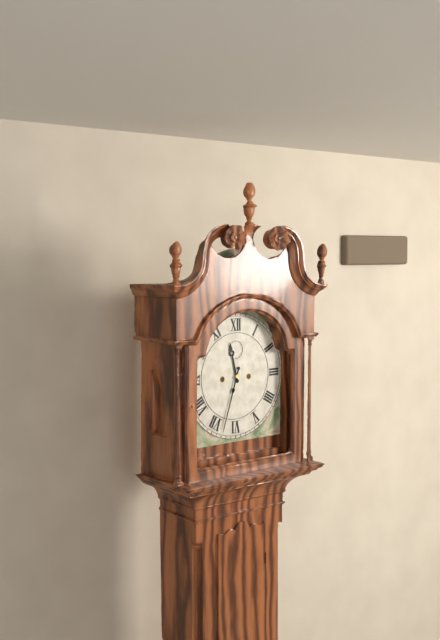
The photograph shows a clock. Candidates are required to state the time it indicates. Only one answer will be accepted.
11:33
